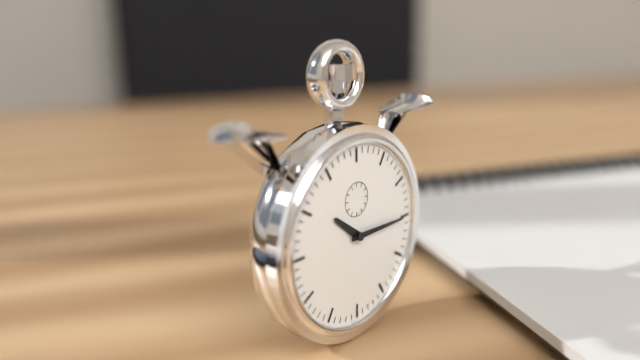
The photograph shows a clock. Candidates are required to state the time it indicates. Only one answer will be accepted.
10:15
